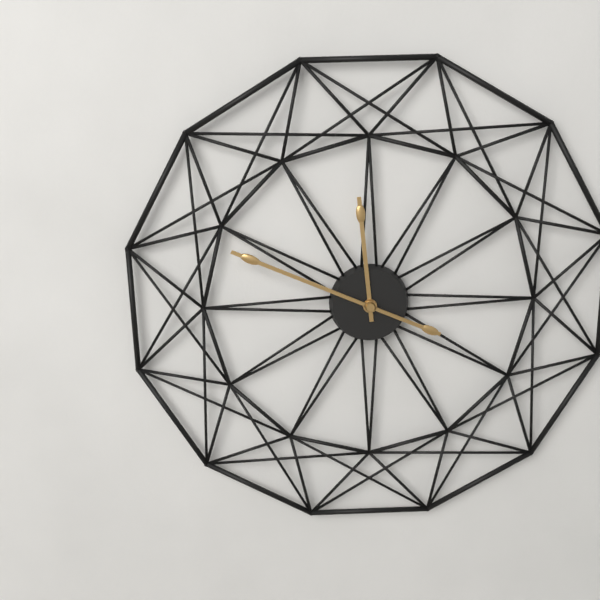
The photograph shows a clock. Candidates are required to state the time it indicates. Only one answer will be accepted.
11:49
